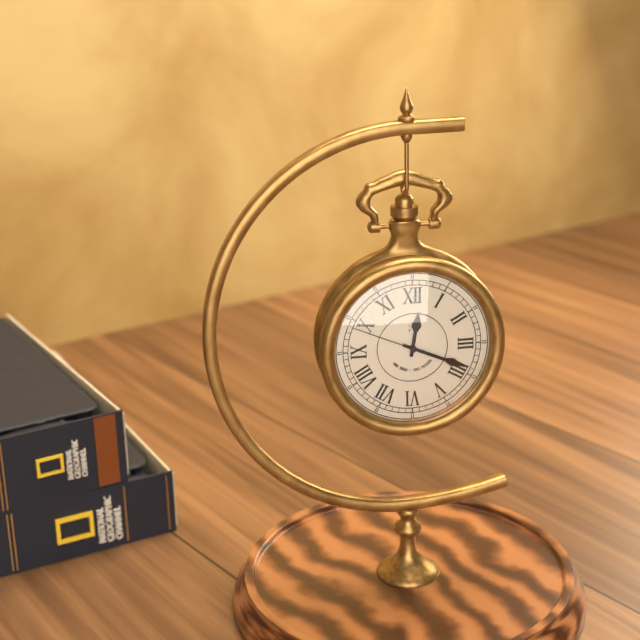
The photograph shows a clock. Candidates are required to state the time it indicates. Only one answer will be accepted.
12:19:49
